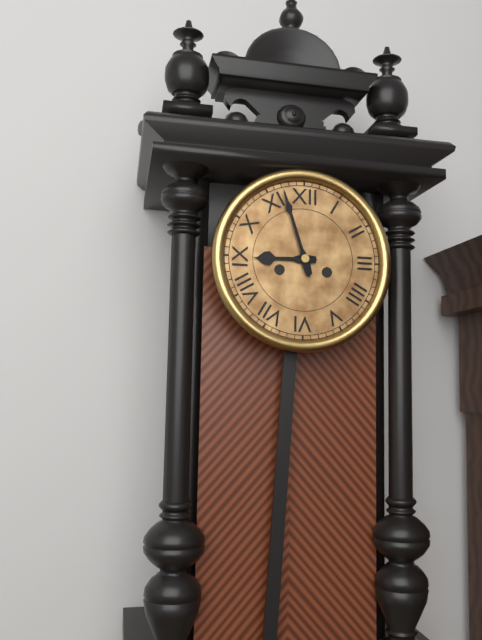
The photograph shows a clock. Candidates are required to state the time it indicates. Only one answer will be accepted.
8:57
